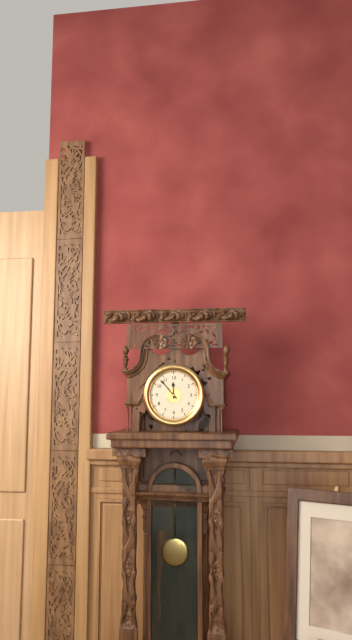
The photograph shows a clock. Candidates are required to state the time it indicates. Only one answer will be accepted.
11:53
